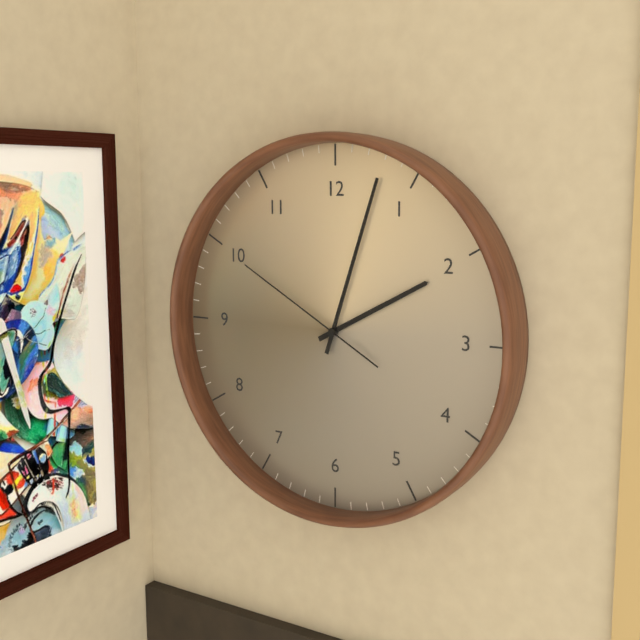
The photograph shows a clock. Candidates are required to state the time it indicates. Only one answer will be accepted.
2:03:50
